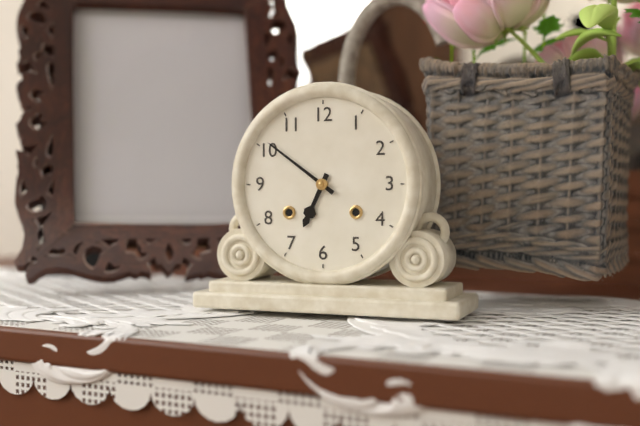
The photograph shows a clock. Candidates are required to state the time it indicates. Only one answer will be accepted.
6:51
